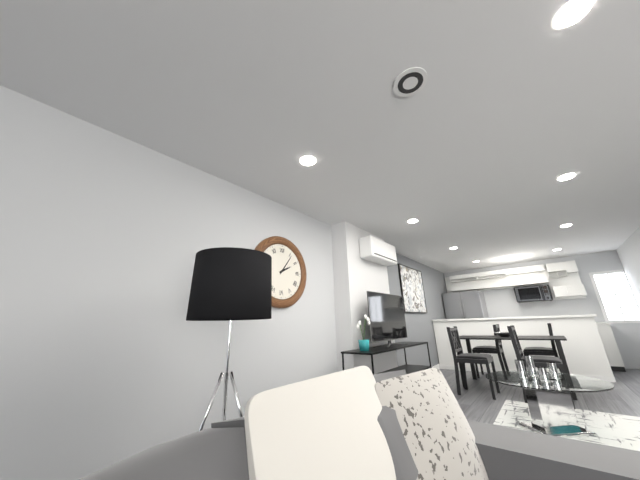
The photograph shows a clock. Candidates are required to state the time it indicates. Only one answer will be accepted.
2:06
